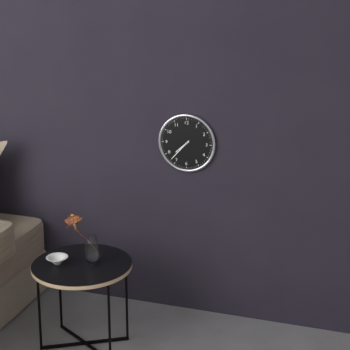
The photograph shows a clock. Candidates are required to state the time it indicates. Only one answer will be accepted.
7:37
